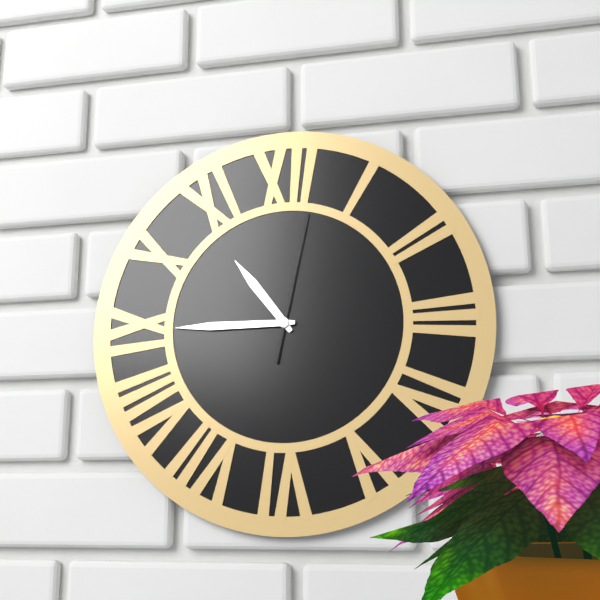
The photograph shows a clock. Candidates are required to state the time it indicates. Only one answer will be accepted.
10:45:02
